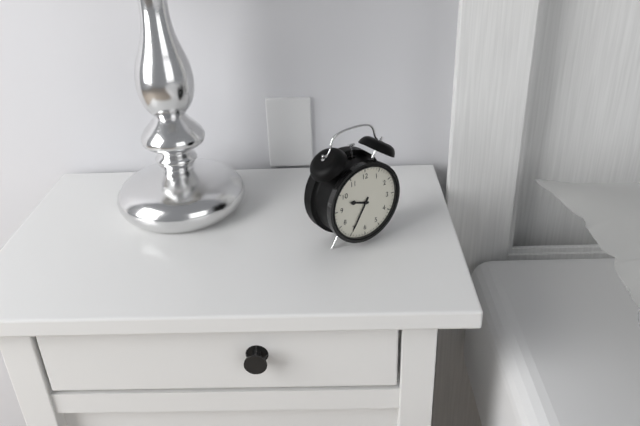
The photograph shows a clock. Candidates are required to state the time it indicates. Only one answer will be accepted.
9:35
